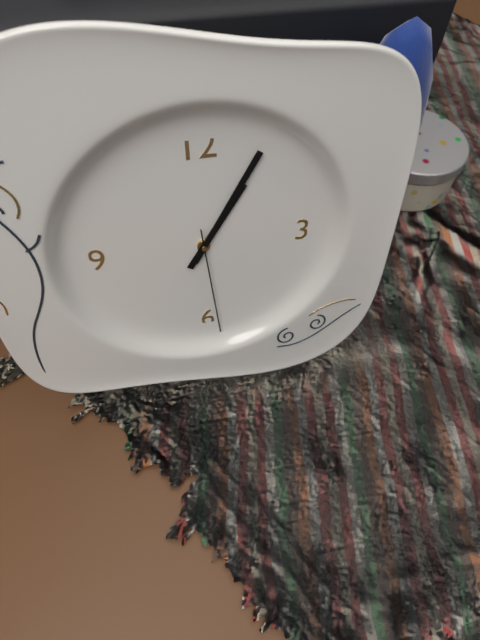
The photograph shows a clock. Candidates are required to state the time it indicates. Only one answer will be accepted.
1:05:29
